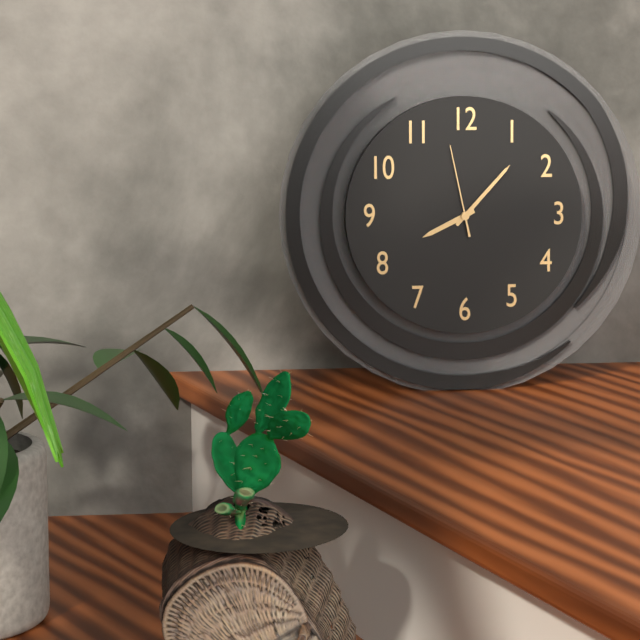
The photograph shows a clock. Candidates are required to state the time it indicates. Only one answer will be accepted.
8:07:58
